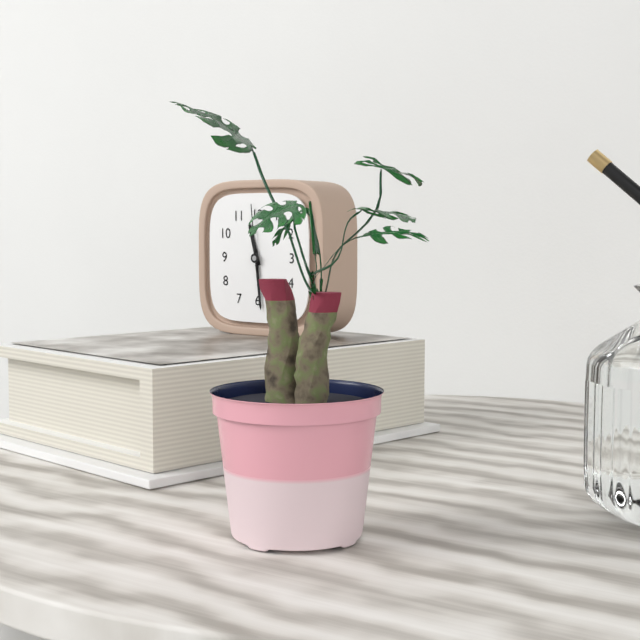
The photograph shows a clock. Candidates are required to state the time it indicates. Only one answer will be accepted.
11:29:59
